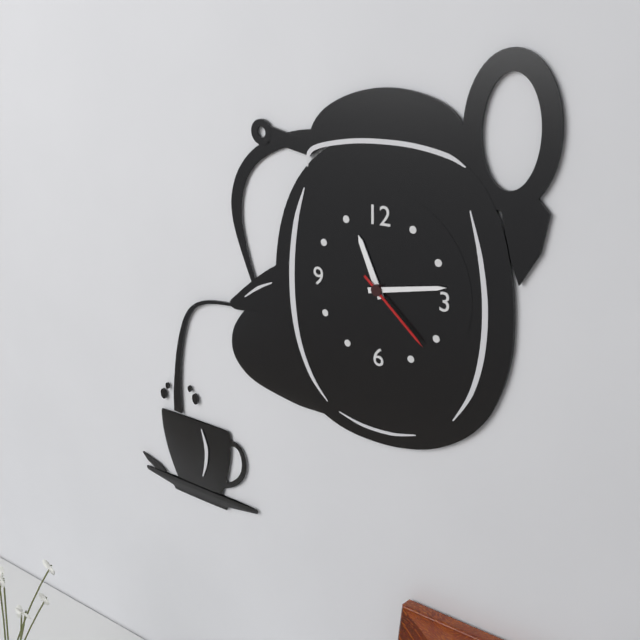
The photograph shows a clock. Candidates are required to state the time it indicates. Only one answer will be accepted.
11:13:22
